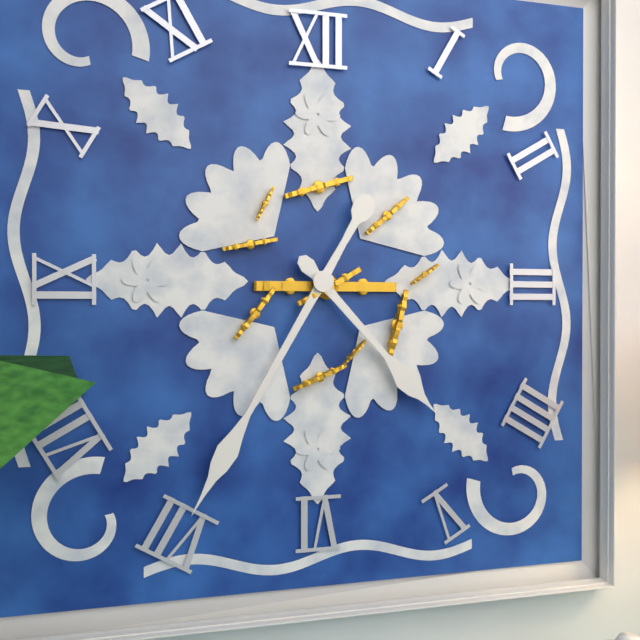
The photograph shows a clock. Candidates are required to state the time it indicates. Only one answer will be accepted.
4:35
